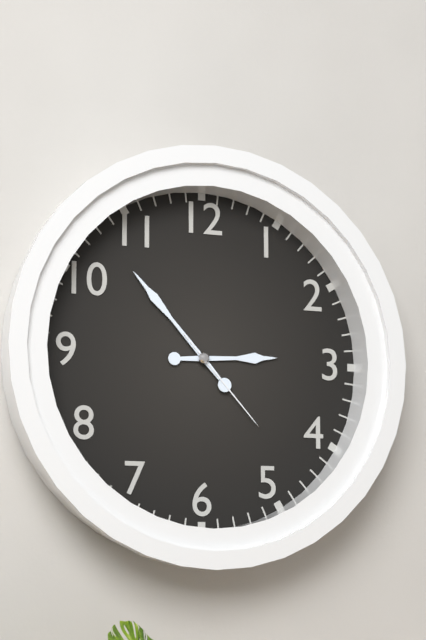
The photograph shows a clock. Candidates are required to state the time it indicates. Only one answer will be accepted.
2:53:23
